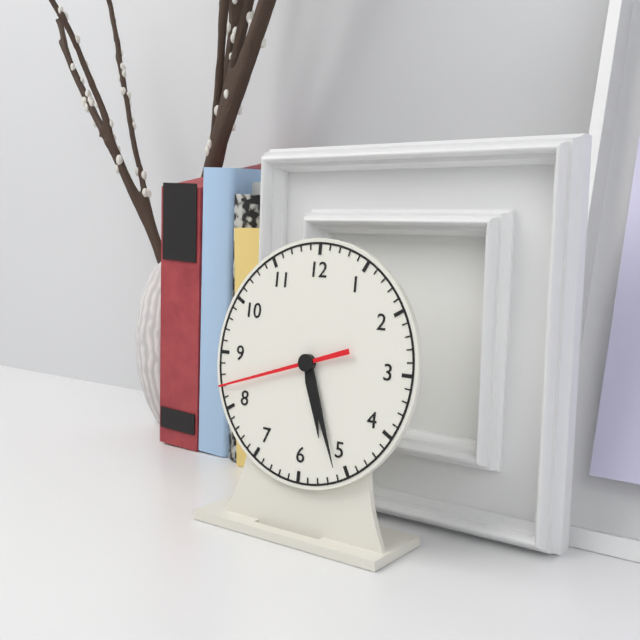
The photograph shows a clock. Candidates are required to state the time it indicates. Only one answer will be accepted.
5:26:42
